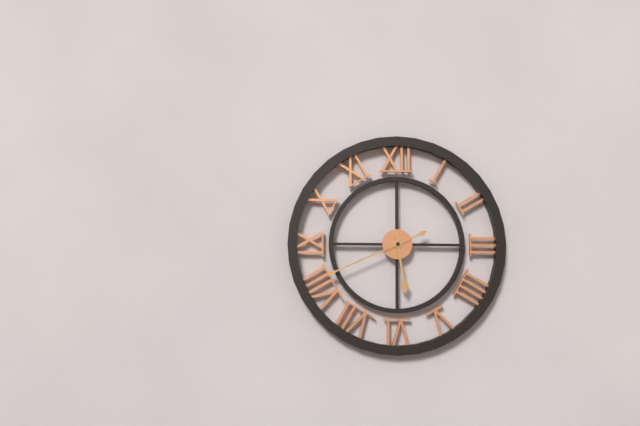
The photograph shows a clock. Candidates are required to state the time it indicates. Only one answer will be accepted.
5:41
